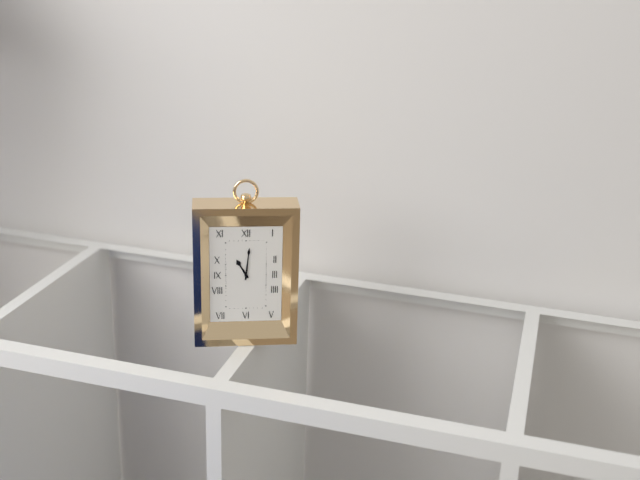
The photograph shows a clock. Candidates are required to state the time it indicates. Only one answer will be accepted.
11:01
